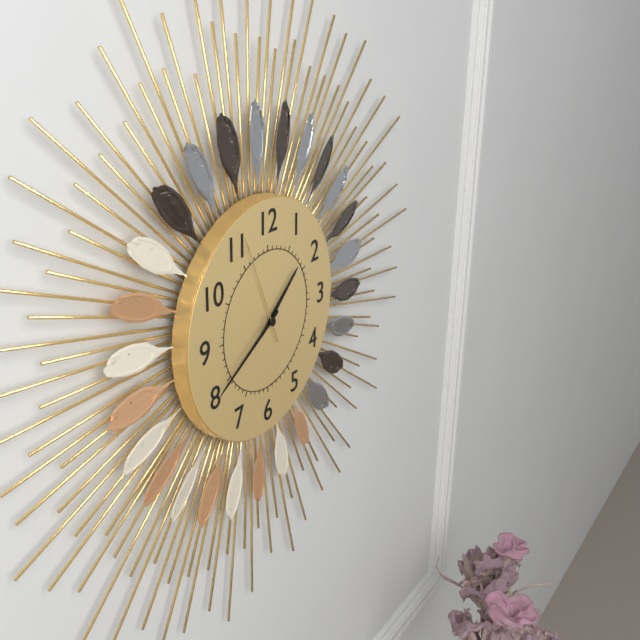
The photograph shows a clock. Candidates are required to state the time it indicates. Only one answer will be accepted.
1:40:56
